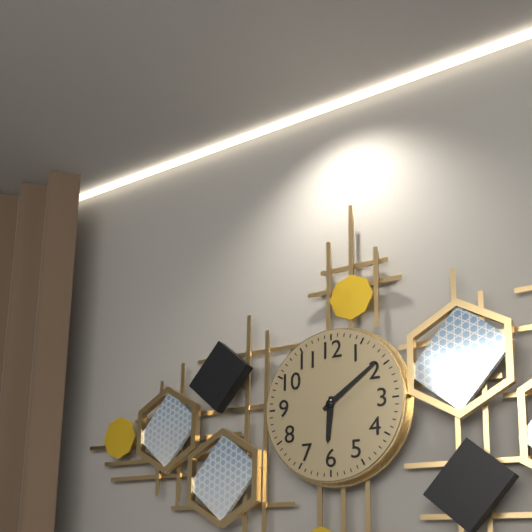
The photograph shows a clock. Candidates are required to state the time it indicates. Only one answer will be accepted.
6:09
